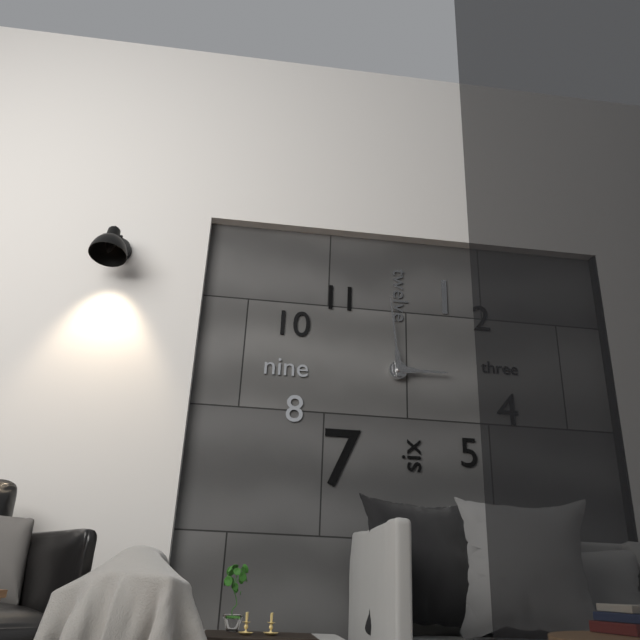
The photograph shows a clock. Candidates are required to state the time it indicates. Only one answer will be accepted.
2:59
